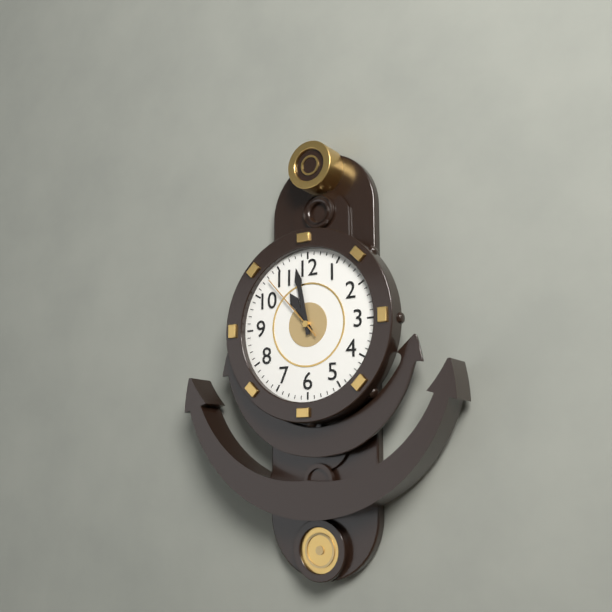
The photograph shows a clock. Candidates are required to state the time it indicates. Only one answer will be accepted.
10:58:53
